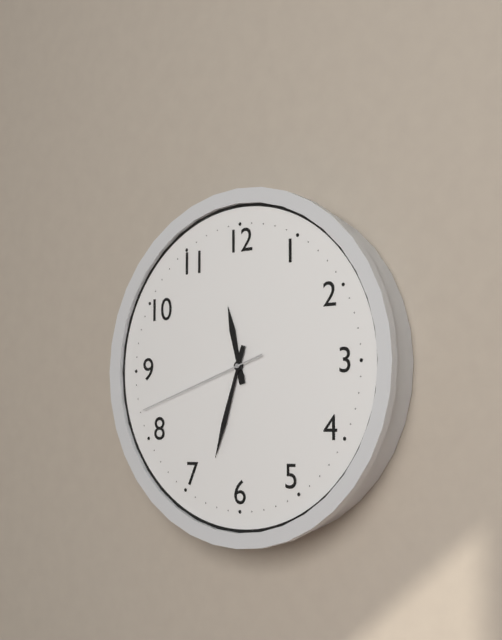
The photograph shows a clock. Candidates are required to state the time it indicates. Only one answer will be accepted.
11:33:42
